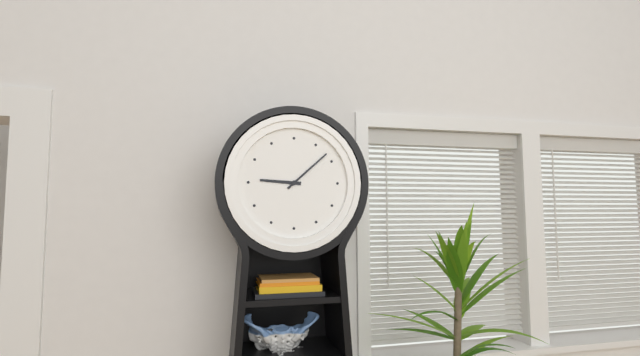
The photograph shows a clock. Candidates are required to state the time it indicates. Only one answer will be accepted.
9:08
